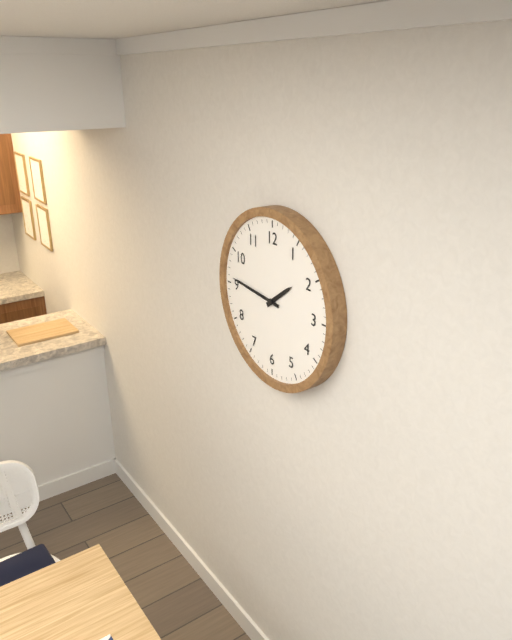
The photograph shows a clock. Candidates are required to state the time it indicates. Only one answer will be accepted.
1:46
